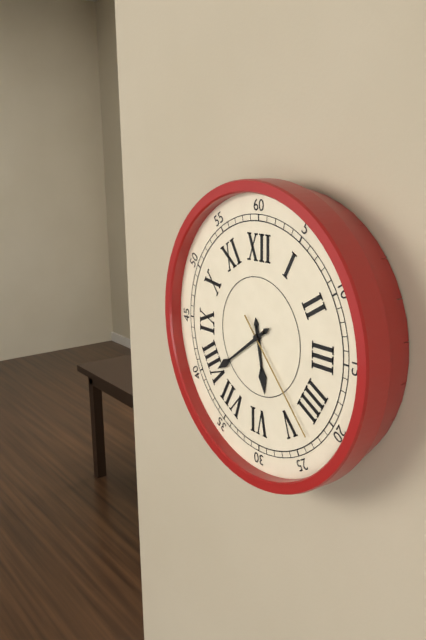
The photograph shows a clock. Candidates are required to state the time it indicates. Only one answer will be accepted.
5:39:23
